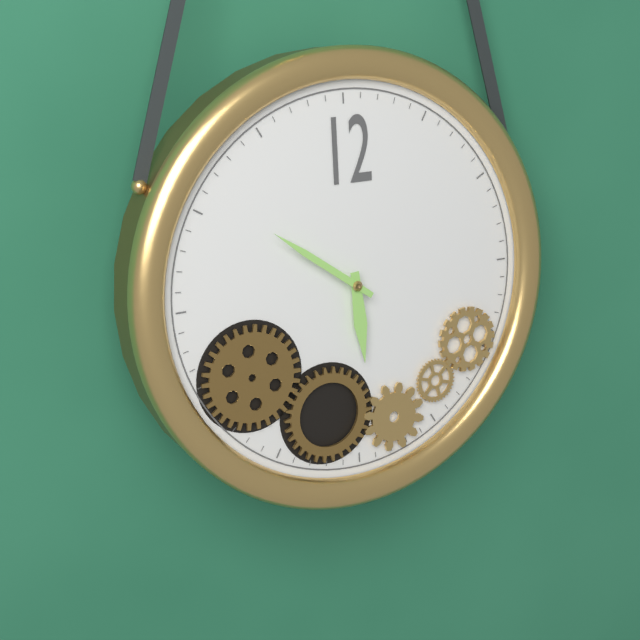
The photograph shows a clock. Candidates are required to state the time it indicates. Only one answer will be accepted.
5:51
